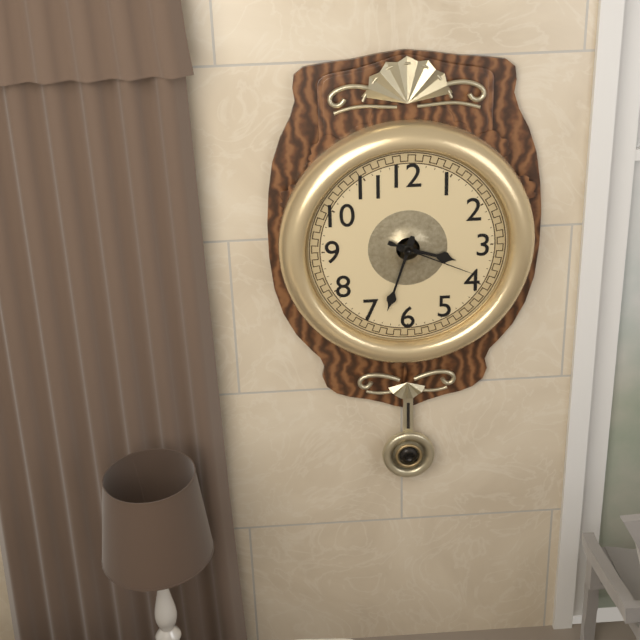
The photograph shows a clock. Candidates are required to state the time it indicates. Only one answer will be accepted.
3:33:19
